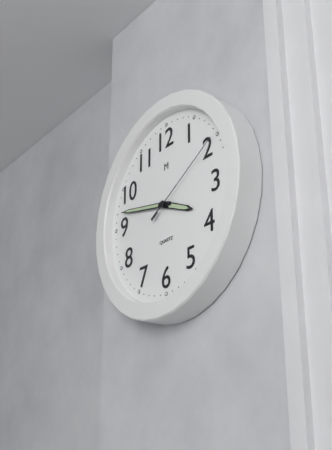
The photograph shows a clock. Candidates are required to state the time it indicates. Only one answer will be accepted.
3:47:10
